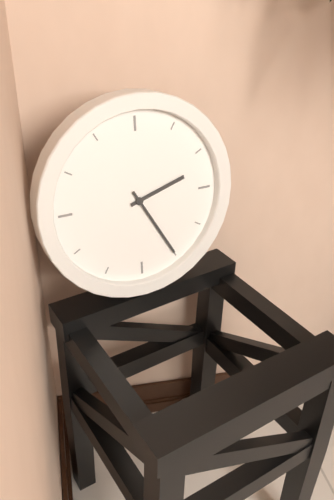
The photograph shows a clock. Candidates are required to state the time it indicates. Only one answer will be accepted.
2:25
